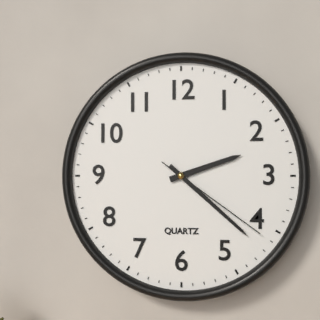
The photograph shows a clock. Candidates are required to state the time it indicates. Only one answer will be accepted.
2:22:21
